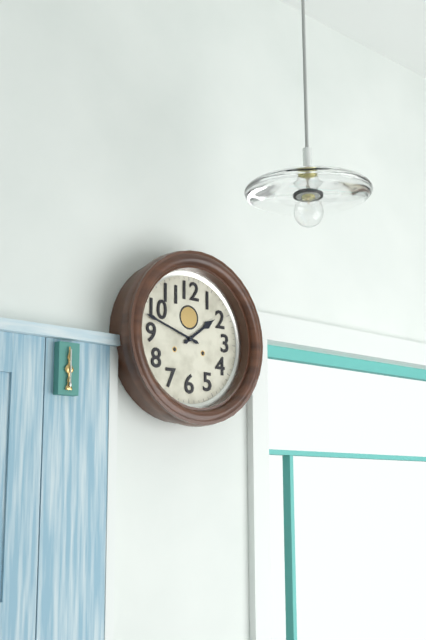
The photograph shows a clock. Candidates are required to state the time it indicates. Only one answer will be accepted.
1:48
